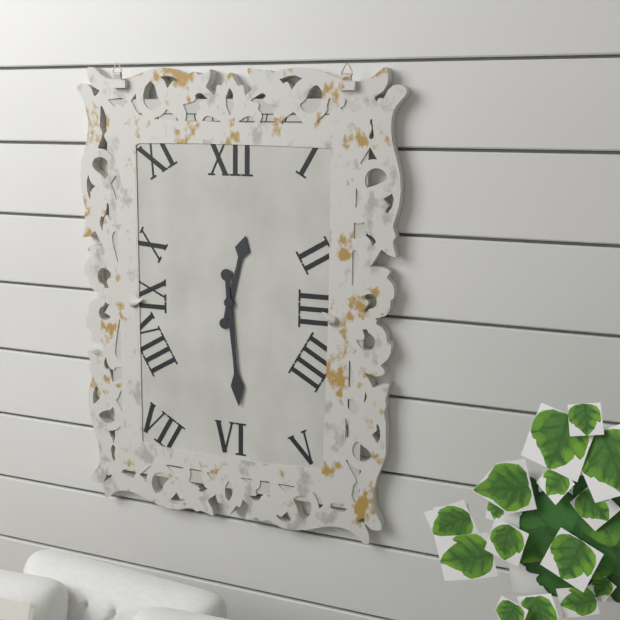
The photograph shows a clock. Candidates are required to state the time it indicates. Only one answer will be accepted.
12:29
